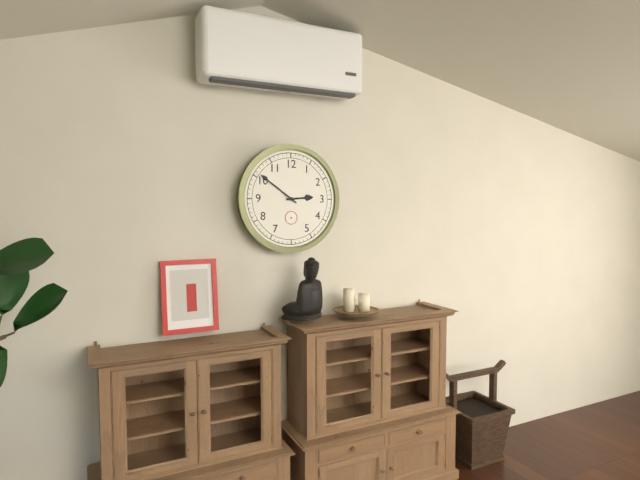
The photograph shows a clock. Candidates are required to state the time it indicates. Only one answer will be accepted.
2:51
